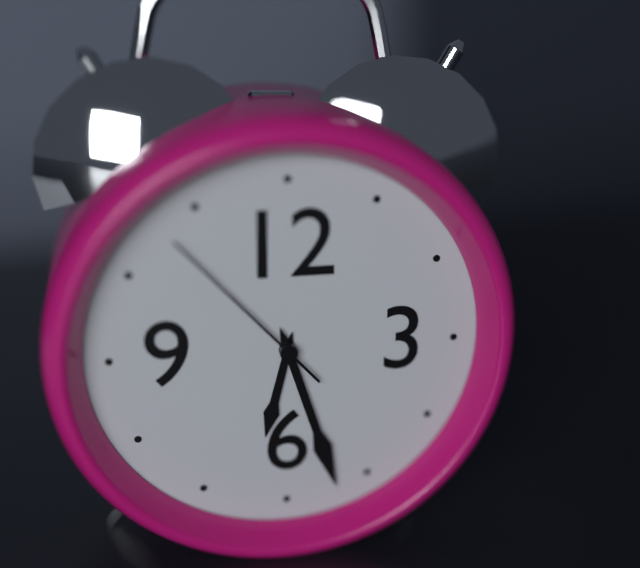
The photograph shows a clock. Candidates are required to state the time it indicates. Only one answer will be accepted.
6:27:53
